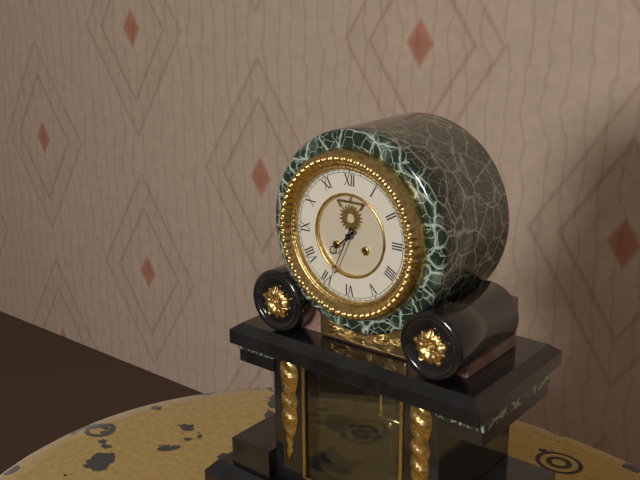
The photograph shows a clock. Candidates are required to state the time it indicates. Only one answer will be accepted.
7:34
